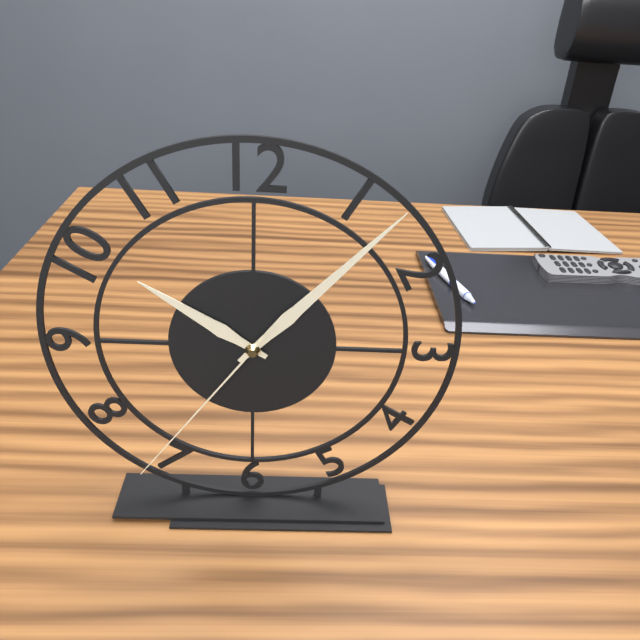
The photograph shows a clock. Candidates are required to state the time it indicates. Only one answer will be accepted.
10:07:36
